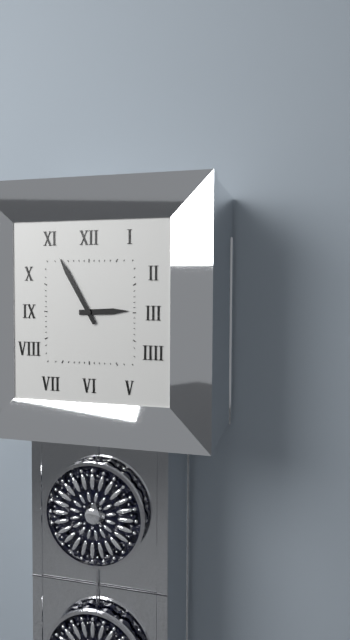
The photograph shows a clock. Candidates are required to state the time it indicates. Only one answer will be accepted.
2:55
